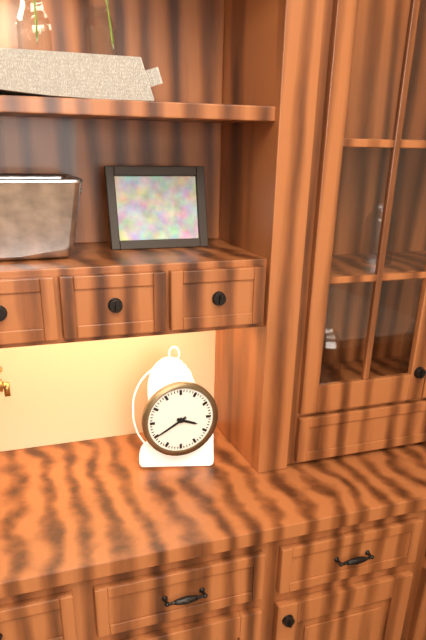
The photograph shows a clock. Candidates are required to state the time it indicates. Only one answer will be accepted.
3:40
